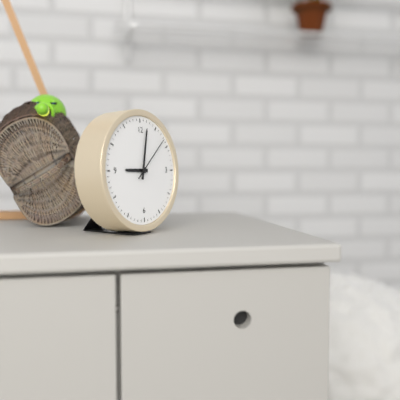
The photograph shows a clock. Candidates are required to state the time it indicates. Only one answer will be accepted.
9:02
